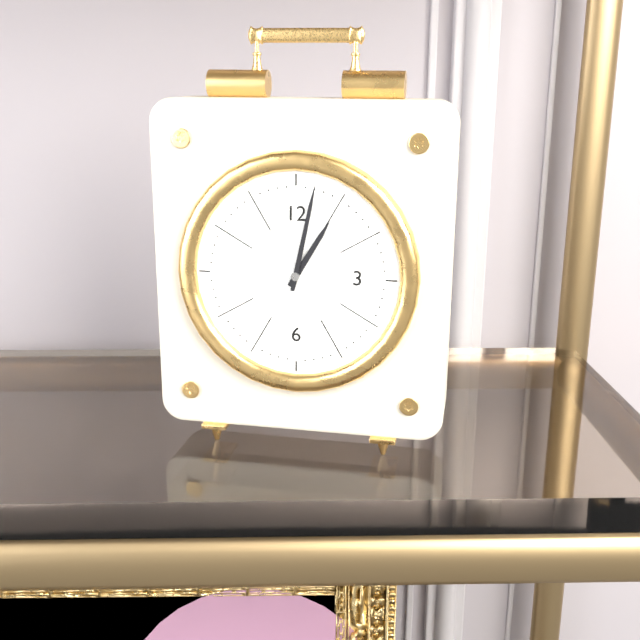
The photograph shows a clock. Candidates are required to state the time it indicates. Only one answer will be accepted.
1:02
